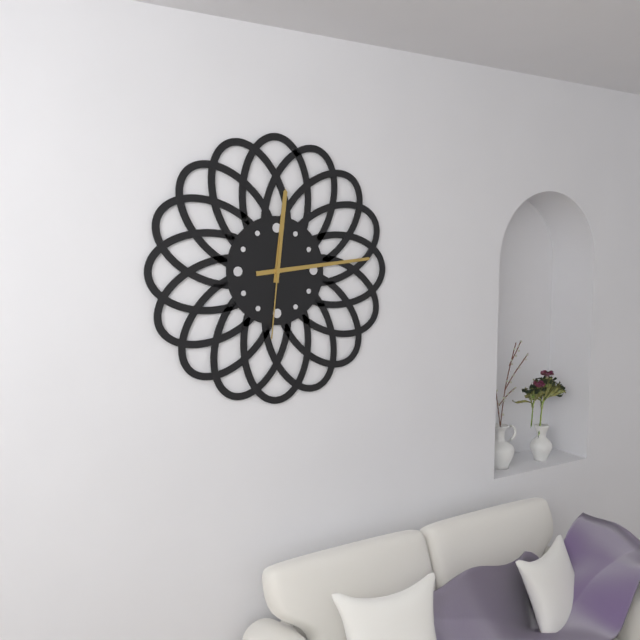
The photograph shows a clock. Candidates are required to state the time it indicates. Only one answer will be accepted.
12:14:31
